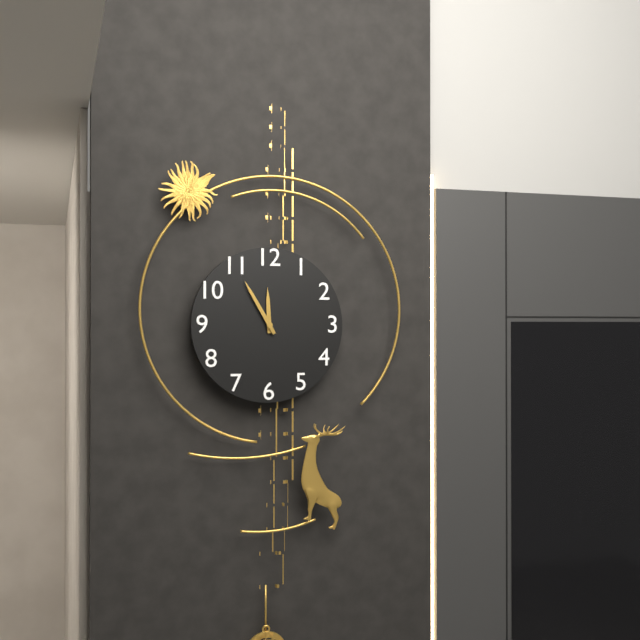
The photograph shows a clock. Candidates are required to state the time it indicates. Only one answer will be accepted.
11:55
